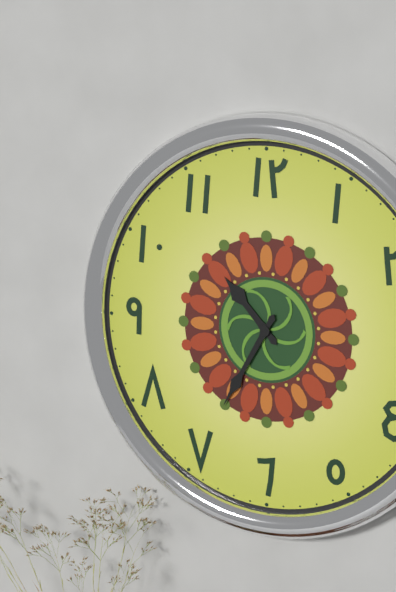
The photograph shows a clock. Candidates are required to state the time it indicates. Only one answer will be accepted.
10:35
